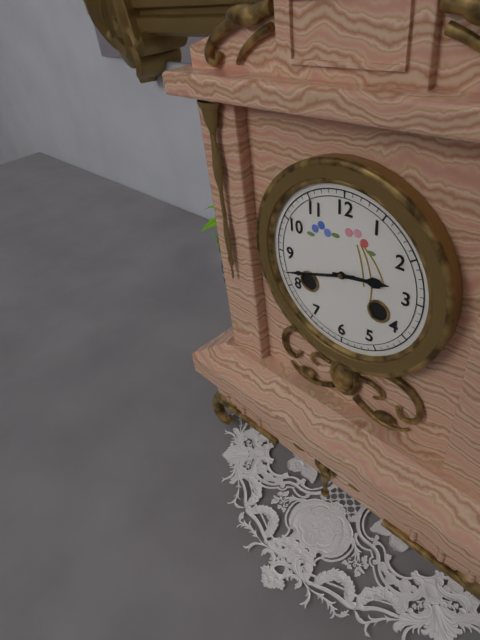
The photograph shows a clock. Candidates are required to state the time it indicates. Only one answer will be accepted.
2:42
